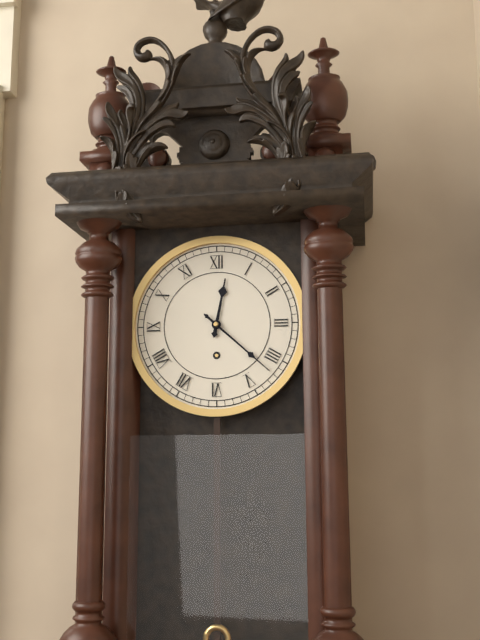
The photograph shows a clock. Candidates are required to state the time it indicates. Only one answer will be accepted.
12:22
